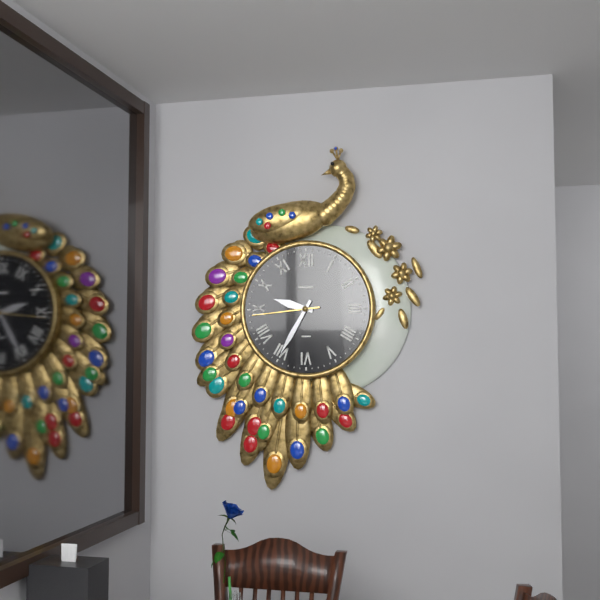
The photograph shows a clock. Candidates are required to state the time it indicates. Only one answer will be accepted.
9:35:44
